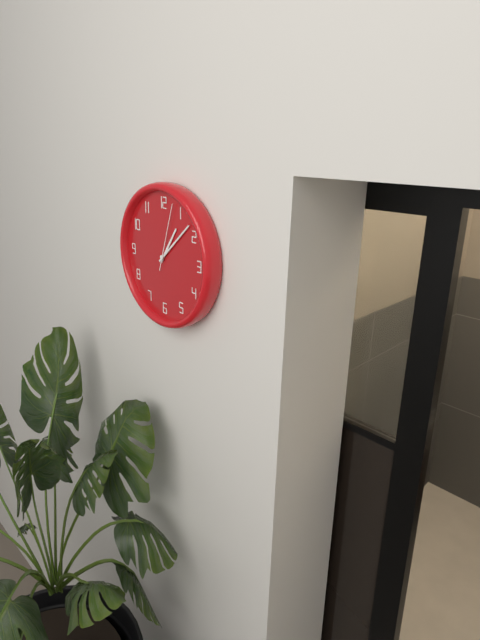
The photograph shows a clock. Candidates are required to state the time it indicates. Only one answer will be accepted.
1:08:03
